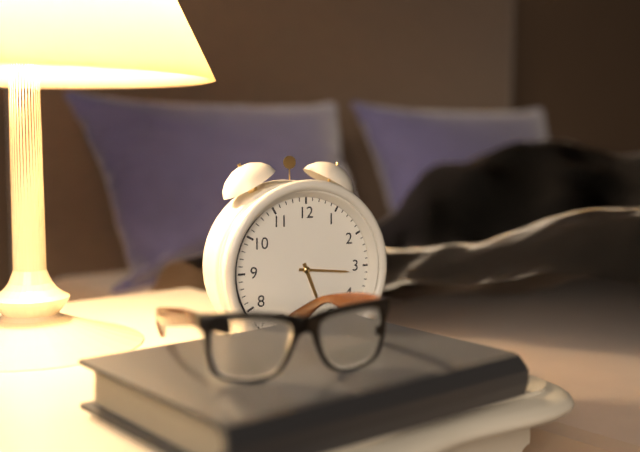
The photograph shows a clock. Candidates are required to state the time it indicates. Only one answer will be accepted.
5:16
